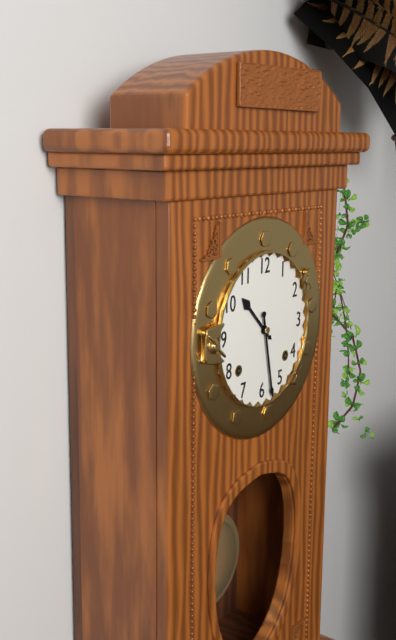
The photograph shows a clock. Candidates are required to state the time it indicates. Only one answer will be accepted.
10:28
